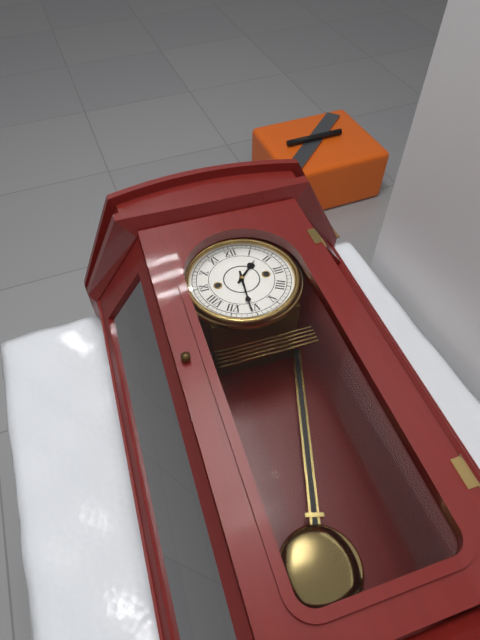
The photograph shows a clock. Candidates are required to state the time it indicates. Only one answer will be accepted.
1:31
